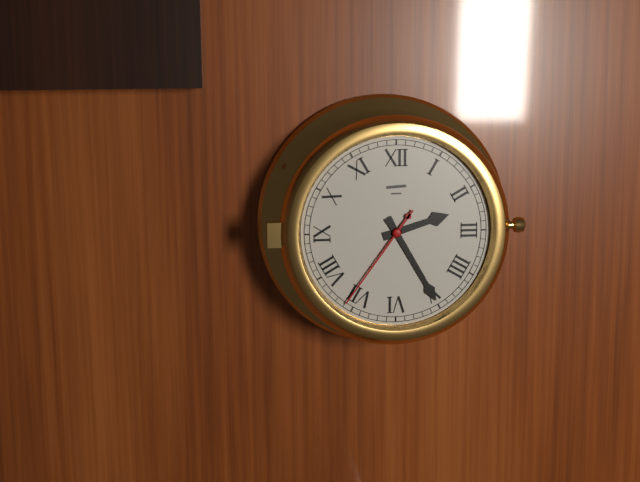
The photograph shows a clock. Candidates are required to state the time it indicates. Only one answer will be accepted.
2:25:36
